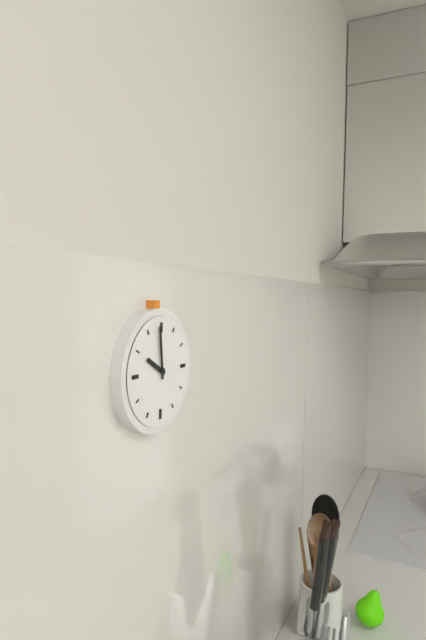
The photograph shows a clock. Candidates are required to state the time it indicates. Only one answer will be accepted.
9:59
